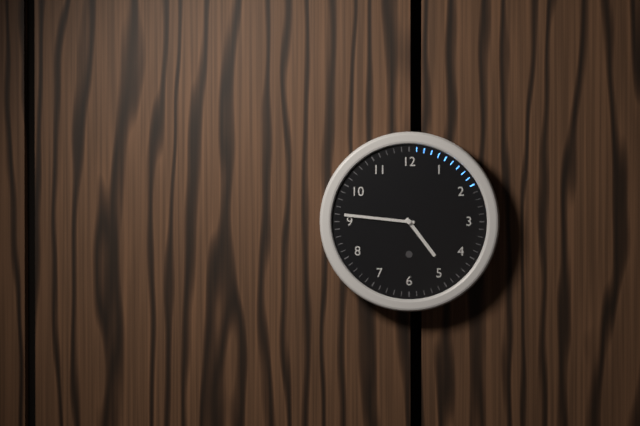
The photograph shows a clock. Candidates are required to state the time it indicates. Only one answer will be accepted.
4:46
